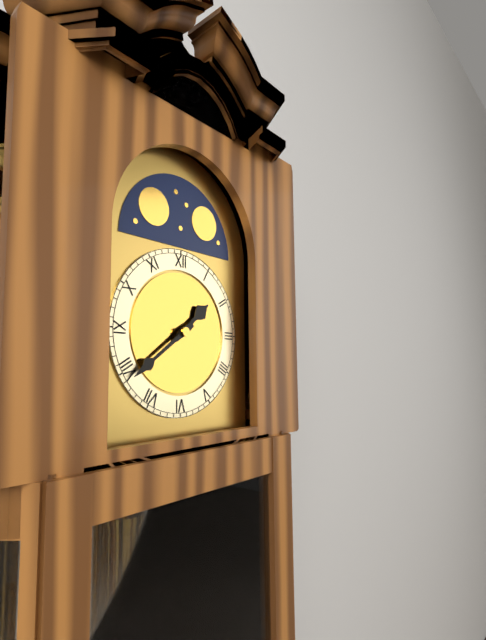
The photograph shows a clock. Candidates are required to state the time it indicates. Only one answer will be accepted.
1:39
